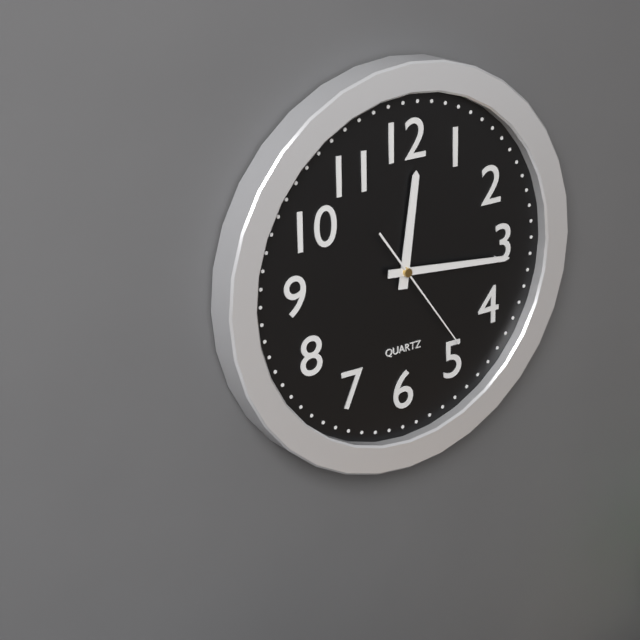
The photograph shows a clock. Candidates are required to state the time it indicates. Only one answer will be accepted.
12:16:24
